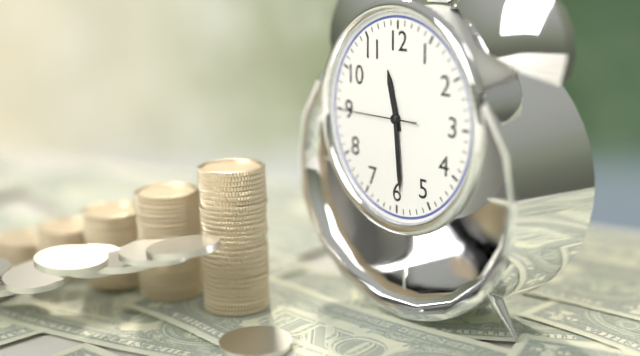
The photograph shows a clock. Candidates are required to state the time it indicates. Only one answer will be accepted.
11:29:45
